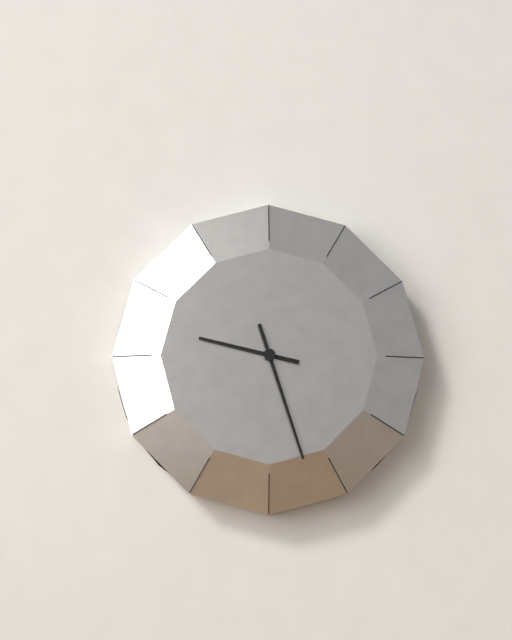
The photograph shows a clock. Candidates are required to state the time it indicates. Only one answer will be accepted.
9:27
